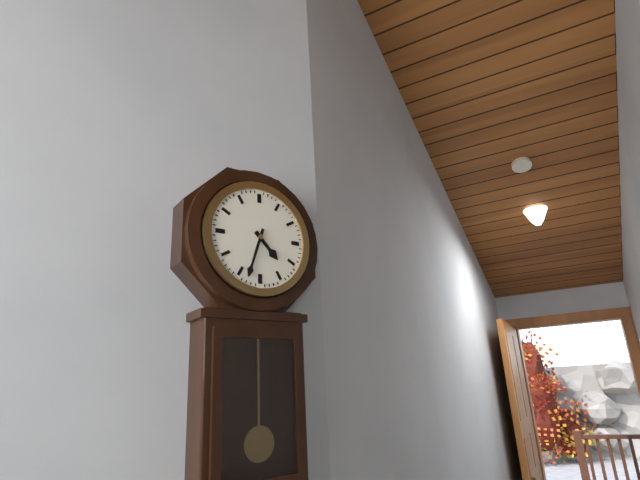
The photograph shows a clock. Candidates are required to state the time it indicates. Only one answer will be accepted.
4:33
